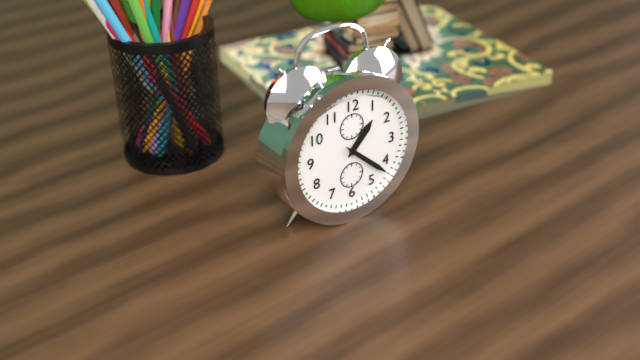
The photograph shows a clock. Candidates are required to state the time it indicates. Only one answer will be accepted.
1:22
